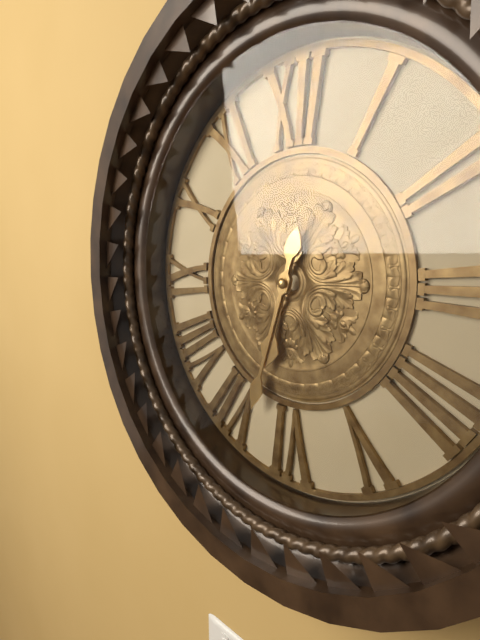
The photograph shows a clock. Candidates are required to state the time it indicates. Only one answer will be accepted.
6:33
